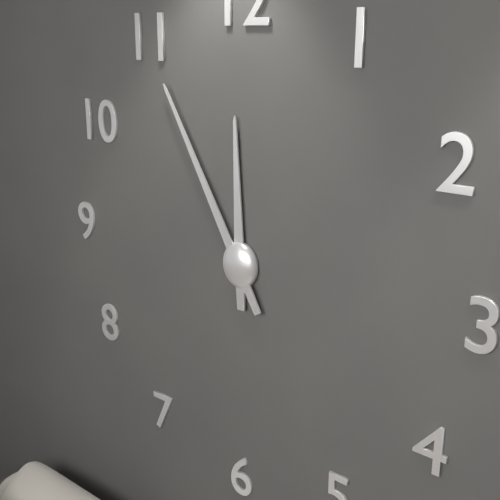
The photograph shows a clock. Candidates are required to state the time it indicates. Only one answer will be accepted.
11:55
